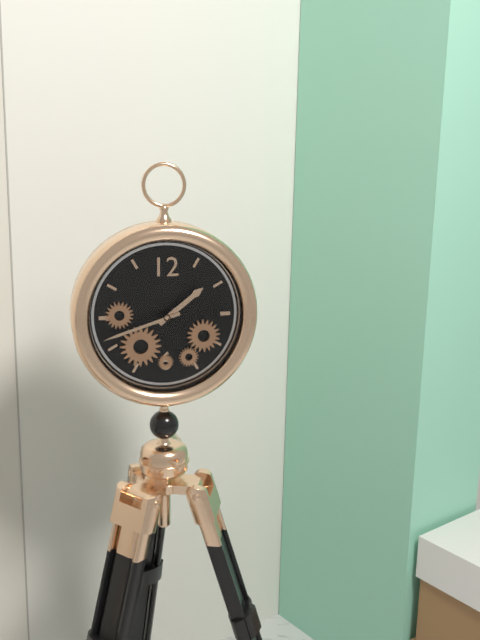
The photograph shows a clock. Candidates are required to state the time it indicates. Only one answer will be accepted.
1:42
